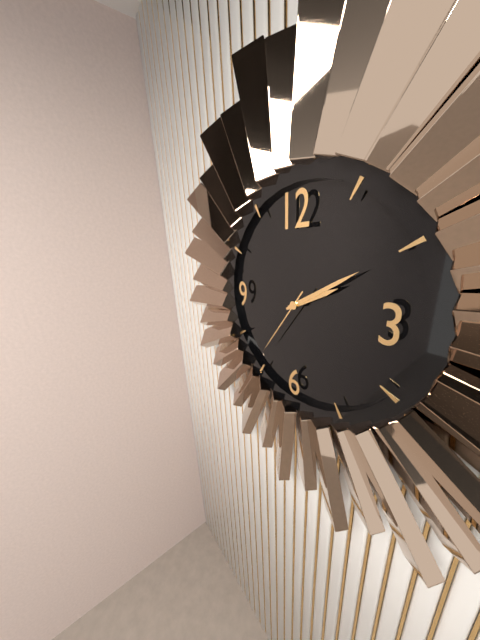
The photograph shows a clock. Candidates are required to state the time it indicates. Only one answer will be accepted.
2:10:36
